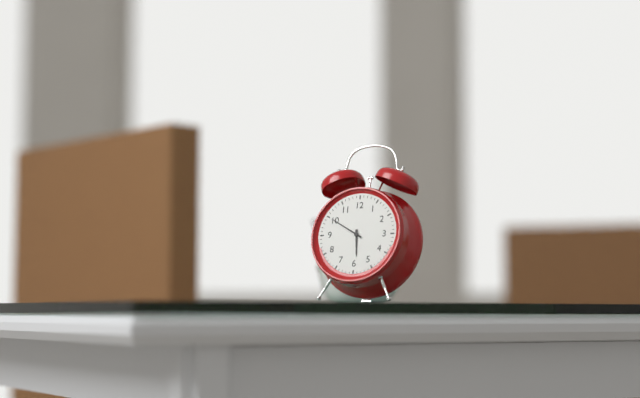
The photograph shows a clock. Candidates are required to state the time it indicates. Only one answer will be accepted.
5:50
